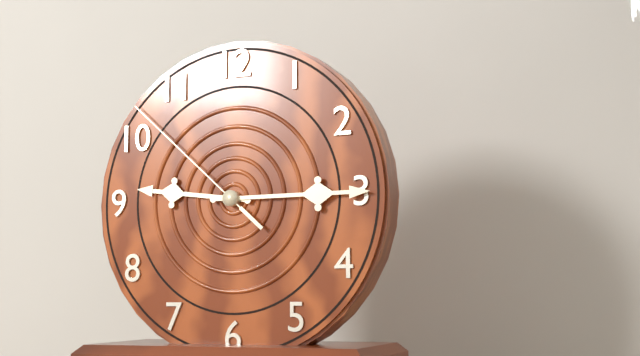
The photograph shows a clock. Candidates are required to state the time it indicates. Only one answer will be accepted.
9:15:52
